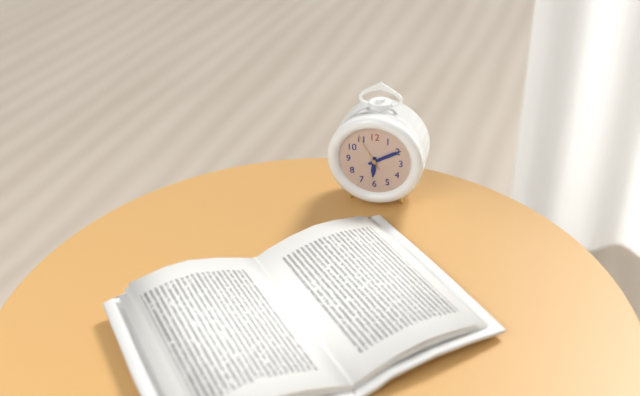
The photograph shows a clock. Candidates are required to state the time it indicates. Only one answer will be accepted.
6:10
